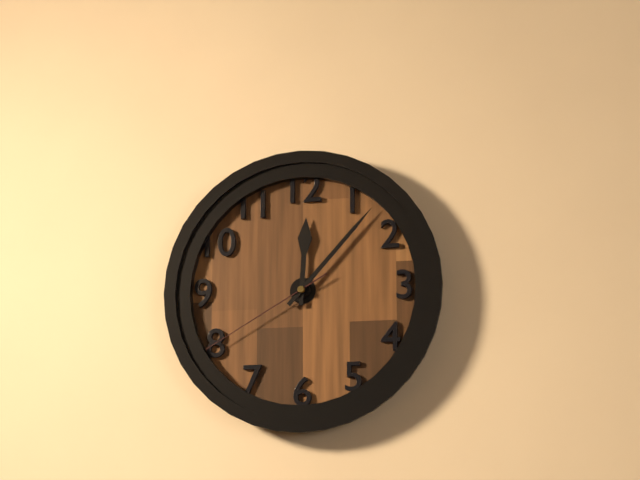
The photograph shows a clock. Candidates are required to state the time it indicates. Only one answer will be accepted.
12:07:40
